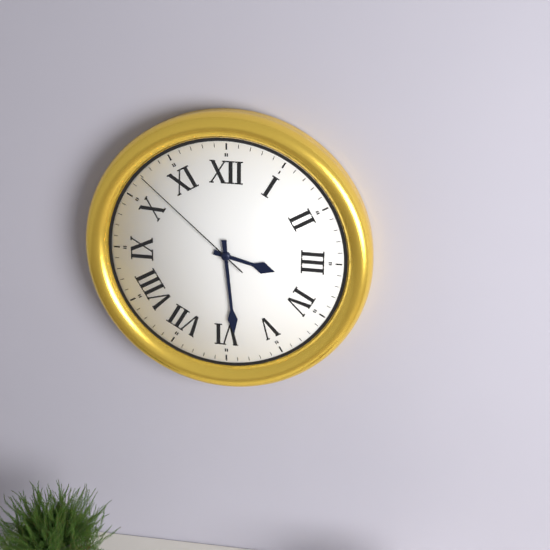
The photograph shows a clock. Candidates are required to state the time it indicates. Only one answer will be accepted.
3:29:52
